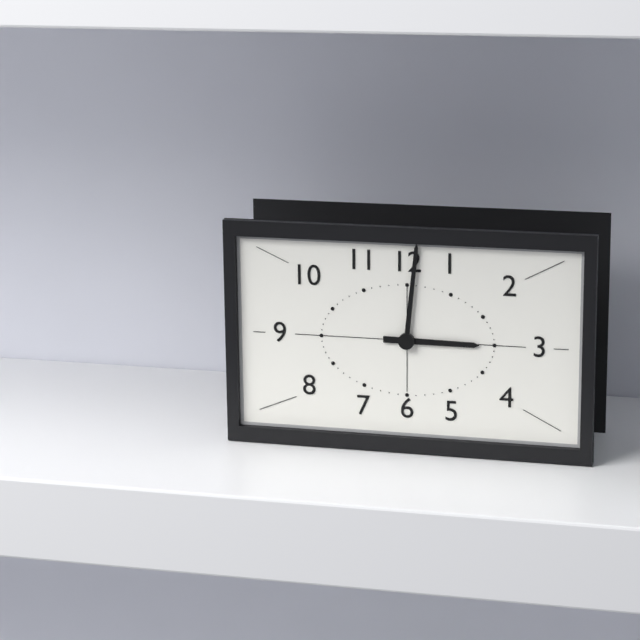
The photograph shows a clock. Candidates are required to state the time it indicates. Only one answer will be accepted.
3:01
